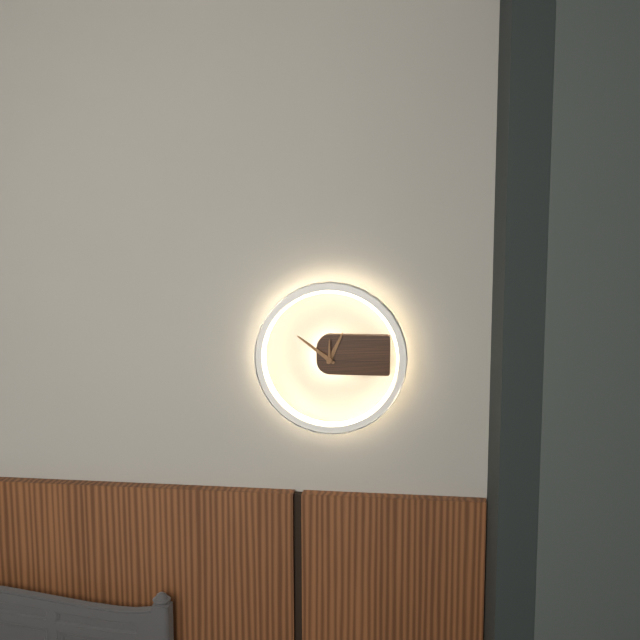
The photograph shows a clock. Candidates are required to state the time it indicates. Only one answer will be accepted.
12:51
